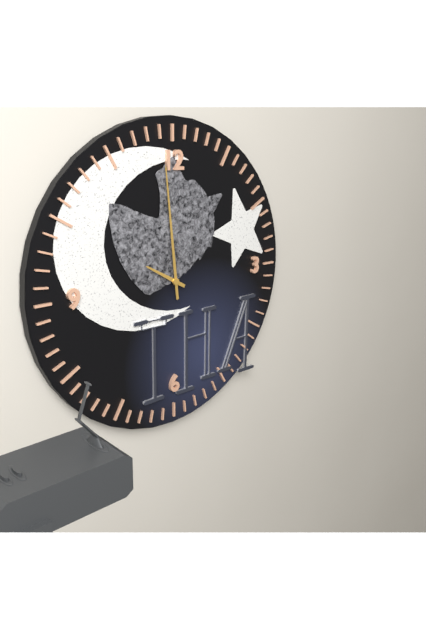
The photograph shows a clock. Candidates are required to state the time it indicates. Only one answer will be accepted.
9:59
